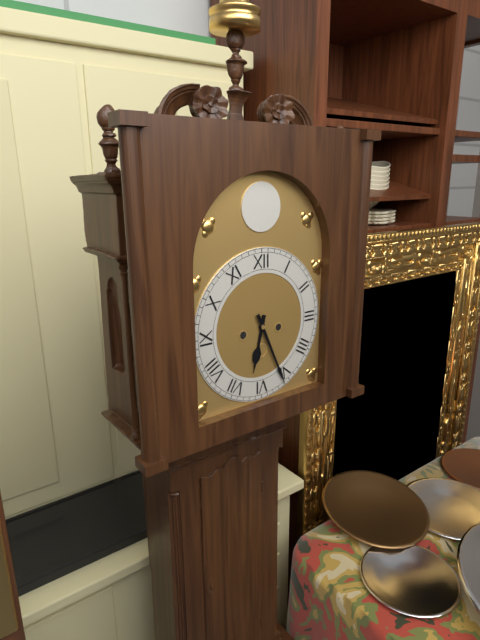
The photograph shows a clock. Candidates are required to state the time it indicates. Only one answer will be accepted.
6:26
